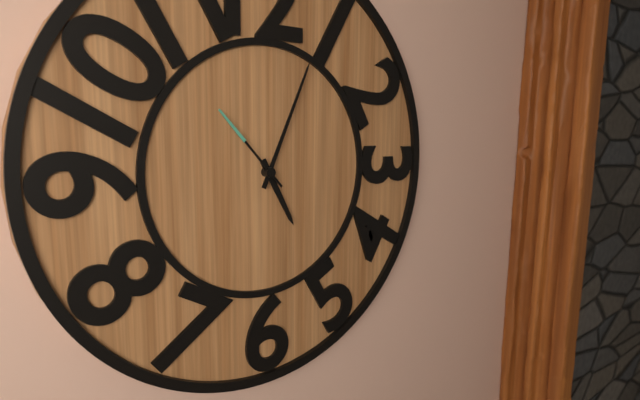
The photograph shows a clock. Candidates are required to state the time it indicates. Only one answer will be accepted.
5:04:53
